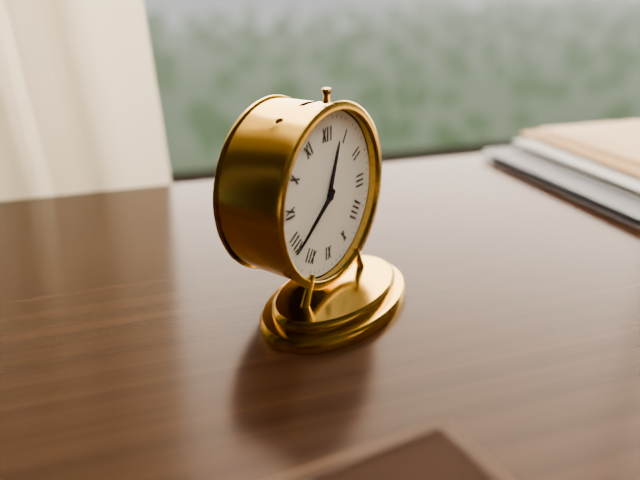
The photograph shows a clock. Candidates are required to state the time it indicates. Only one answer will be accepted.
12:39
